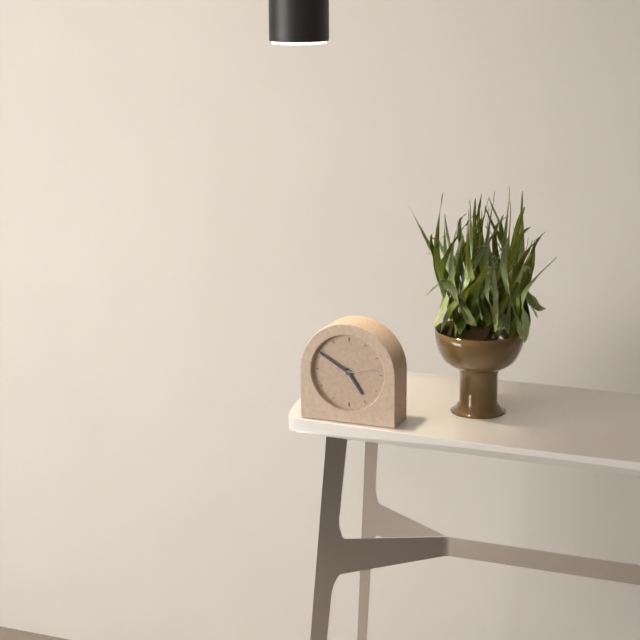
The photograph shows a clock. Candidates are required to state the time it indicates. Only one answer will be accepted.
4:50
